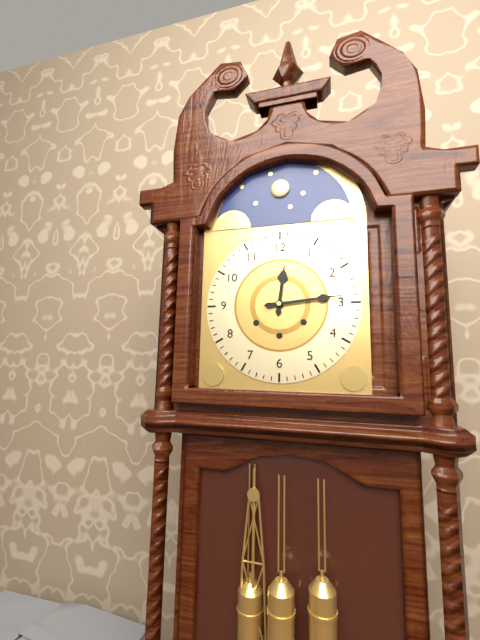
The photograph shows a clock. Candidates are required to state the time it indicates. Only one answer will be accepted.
12:14
